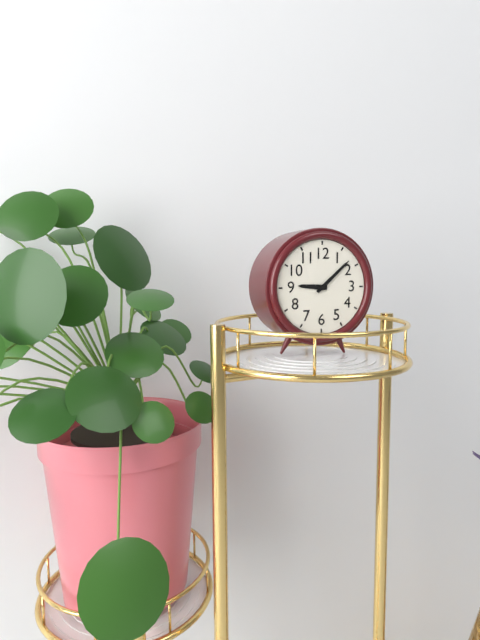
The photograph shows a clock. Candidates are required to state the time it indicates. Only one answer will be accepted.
9:08
